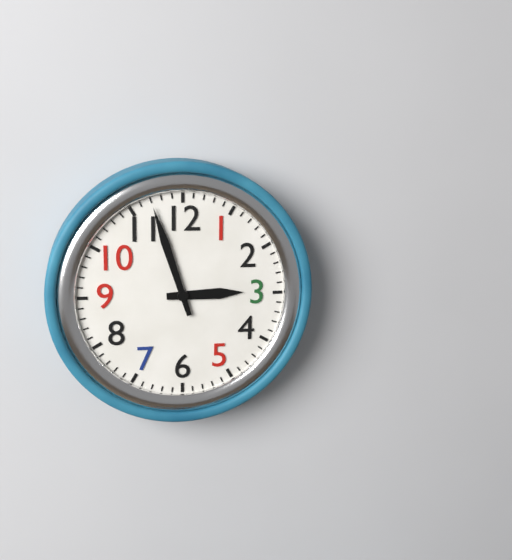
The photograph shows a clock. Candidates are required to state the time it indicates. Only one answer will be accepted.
2:57
